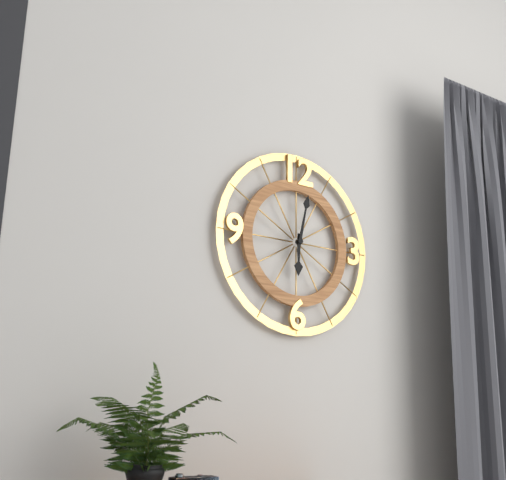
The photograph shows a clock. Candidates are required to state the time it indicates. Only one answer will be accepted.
6:02
